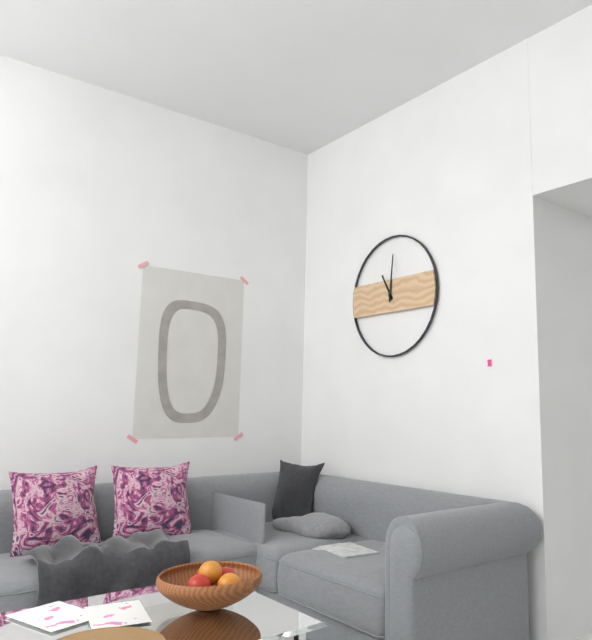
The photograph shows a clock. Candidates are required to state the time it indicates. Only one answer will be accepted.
11:01
